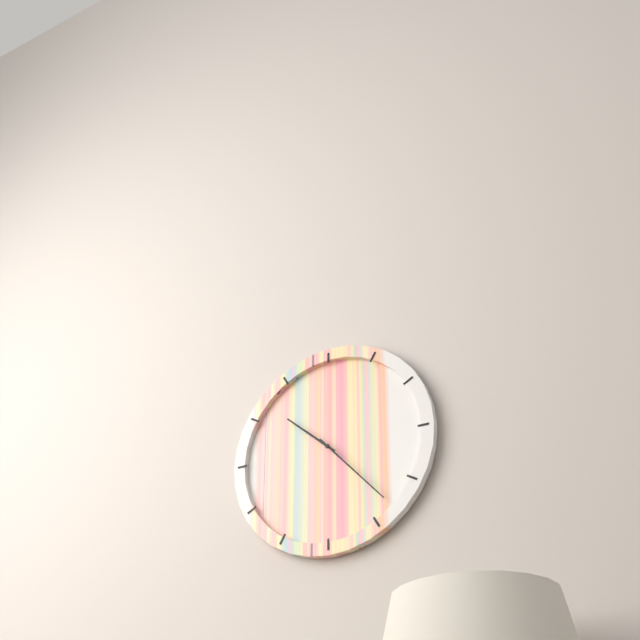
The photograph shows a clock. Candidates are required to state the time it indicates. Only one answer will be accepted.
10:23
